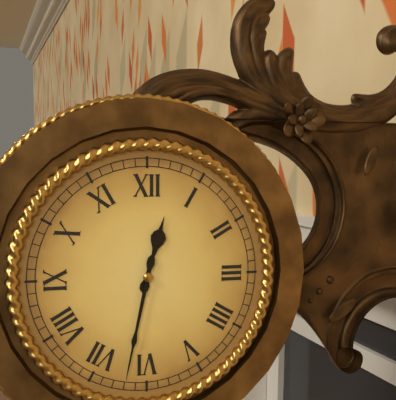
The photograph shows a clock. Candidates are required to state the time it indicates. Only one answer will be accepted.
12:32
